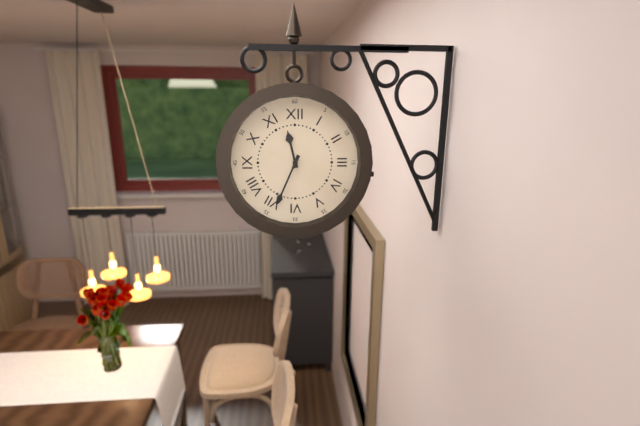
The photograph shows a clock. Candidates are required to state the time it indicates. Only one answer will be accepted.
11:34
